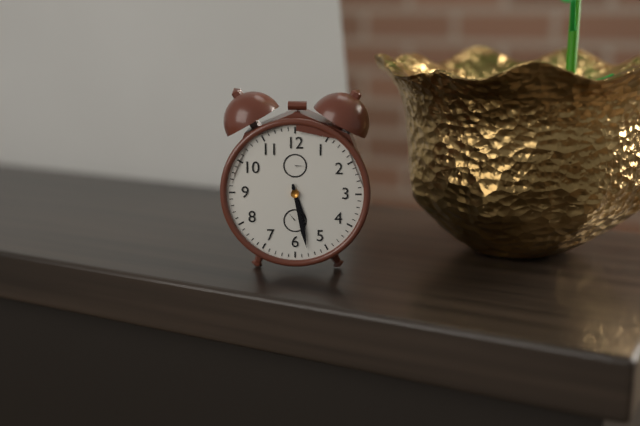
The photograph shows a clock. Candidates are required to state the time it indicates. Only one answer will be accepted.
5:28
